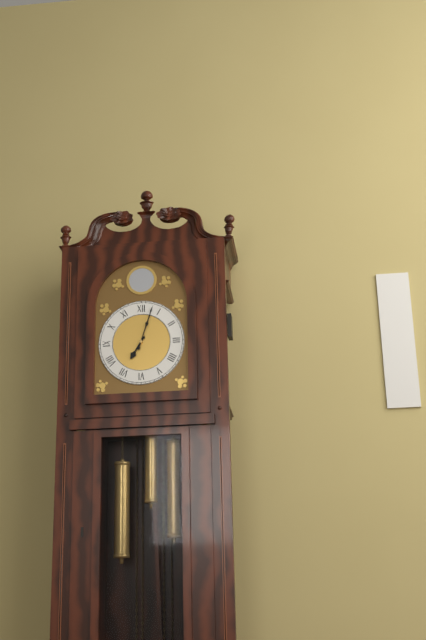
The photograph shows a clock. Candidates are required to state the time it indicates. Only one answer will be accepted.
7:03
